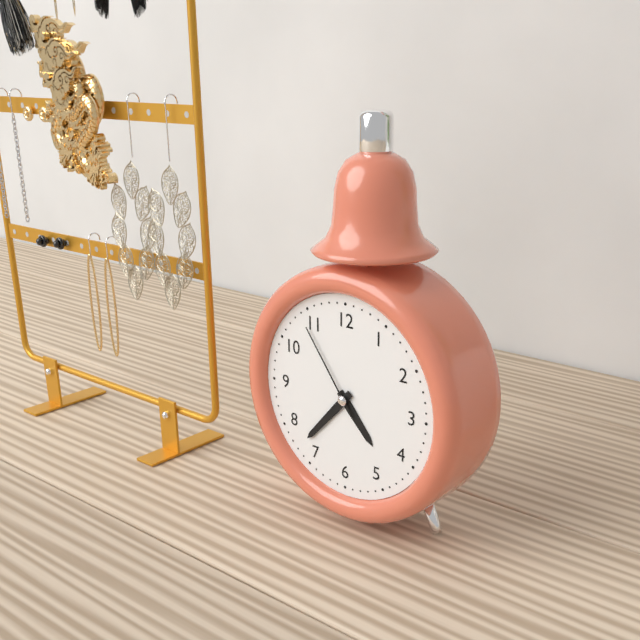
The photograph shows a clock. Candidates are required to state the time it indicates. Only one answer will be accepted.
4:37:54
